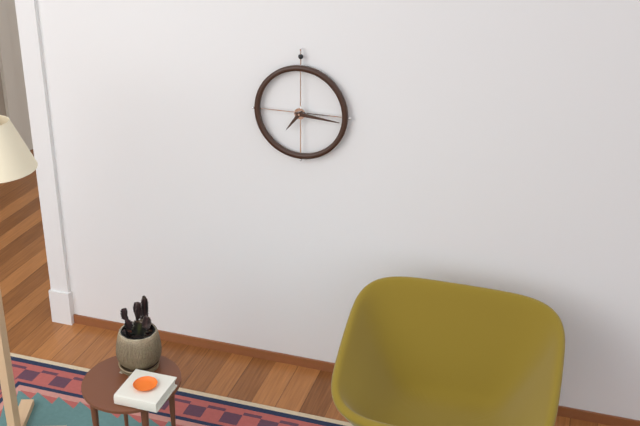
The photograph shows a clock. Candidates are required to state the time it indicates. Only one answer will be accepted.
7:16
